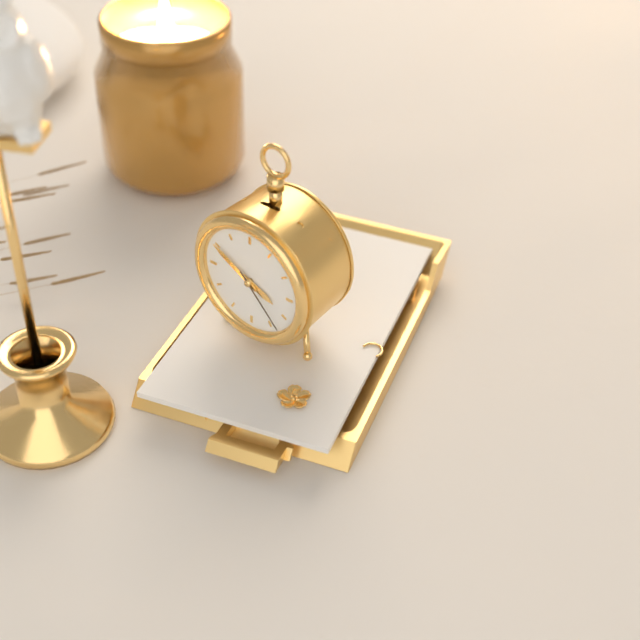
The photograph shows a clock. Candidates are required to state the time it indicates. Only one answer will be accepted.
3:50:23
